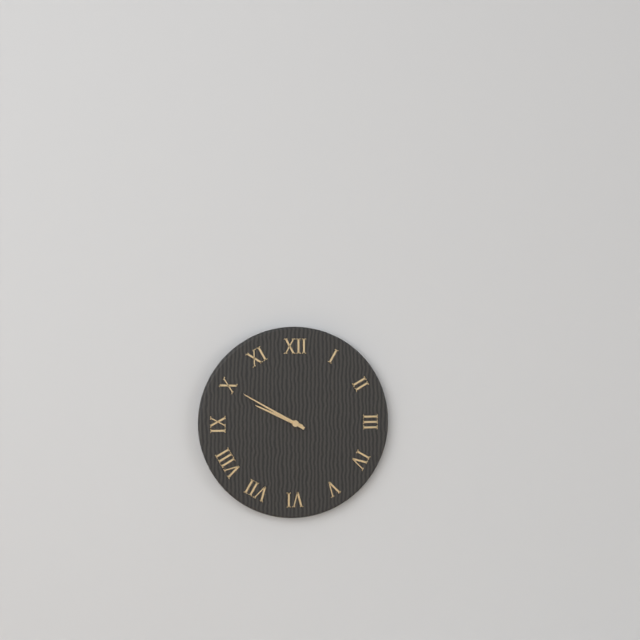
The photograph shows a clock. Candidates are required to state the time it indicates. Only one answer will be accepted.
9:50
